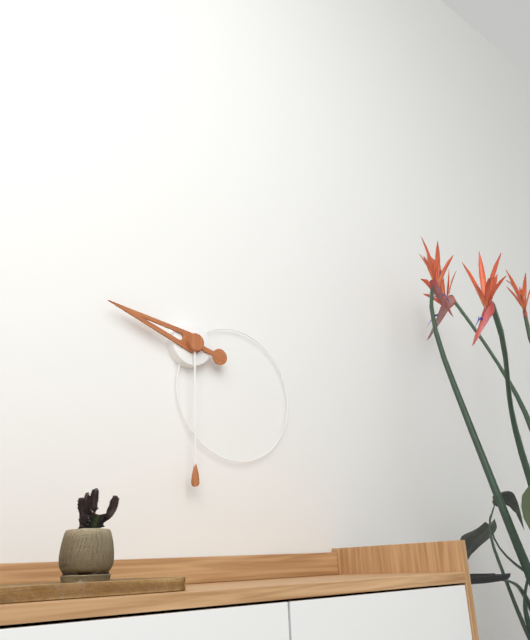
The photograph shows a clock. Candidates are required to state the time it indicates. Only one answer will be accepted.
9:30
